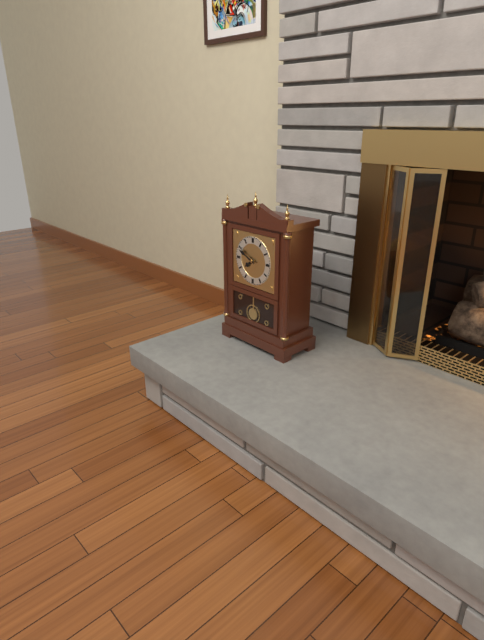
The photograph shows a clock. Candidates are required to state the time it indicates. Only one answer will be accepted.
7:49
